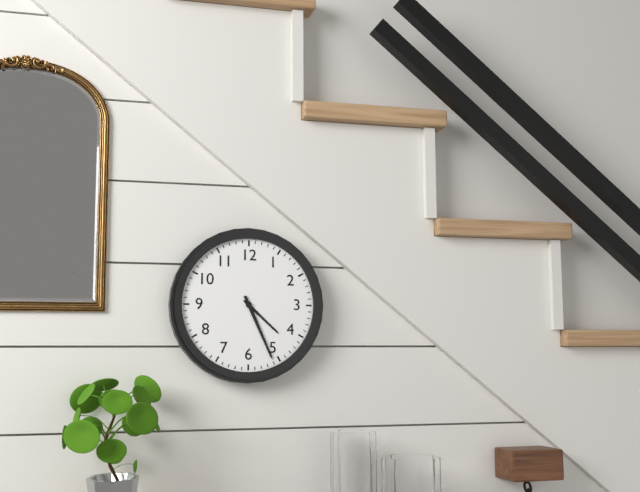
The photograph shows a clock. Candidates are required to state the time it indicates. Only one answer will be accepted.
4:26
